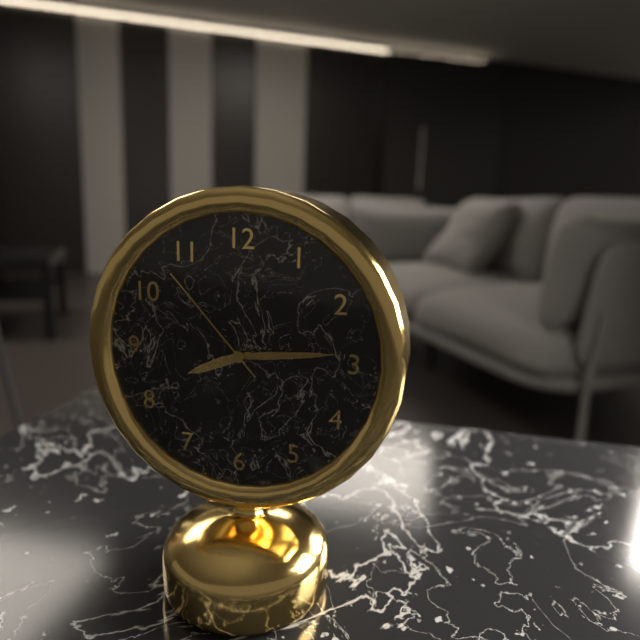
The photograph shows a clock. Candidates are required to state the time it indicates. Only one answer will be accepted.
8:14:53
